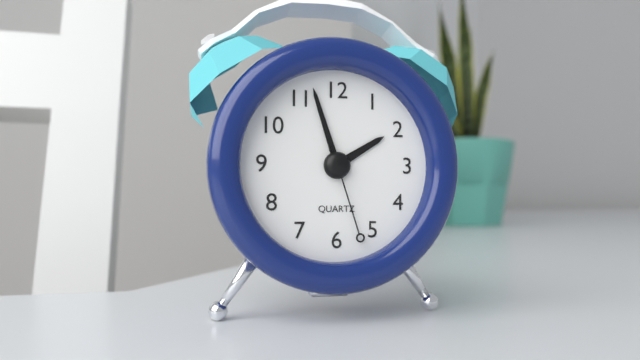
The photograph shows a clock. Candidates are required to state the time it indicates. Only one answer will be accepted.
1:57:27
